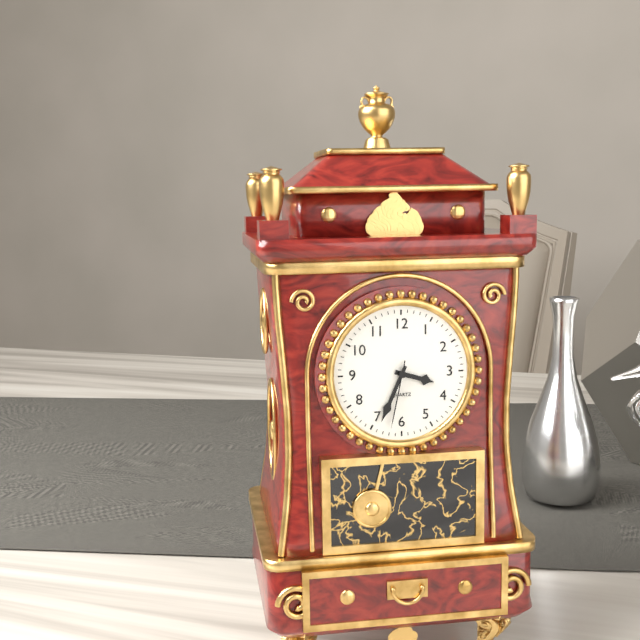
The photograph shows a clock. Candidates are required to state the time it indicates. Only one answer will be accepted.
3:34:32
